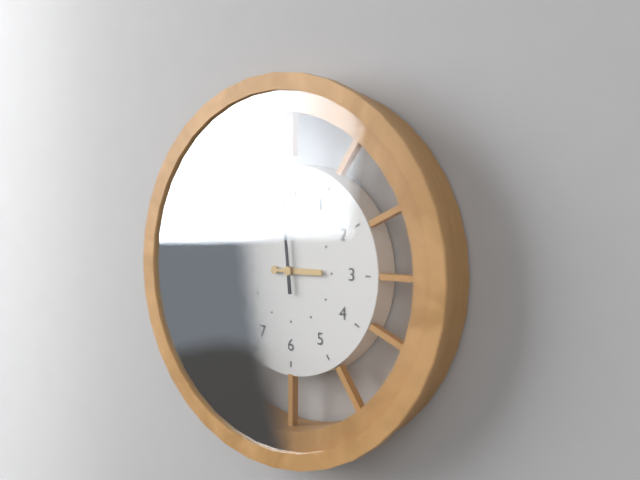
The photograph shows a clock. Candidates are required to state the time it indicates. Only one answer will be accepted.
2:59
